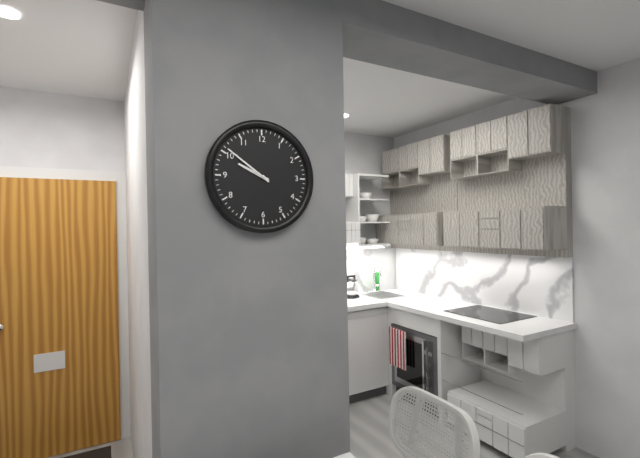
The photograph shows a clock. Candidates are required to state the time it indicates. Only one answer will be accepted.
9:51
